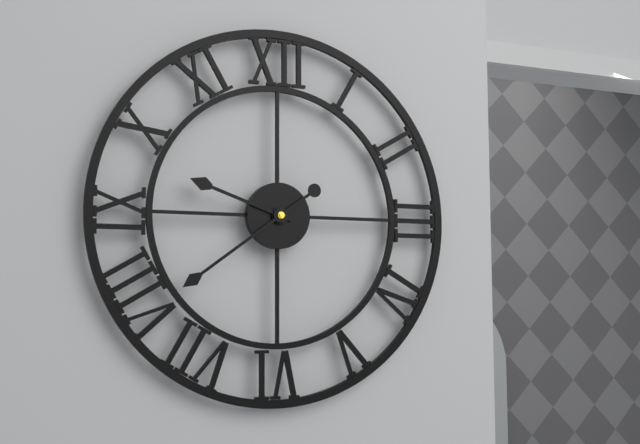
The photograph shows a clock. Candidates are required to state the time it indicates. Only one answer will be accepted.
9:39
